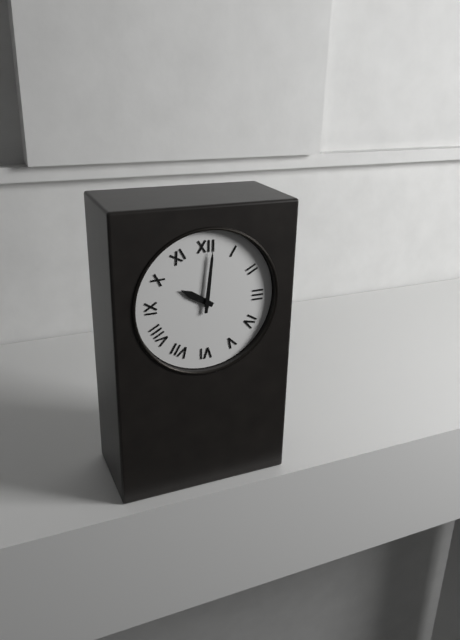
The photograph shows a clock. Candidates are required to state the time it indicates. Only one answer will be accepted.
10:01
